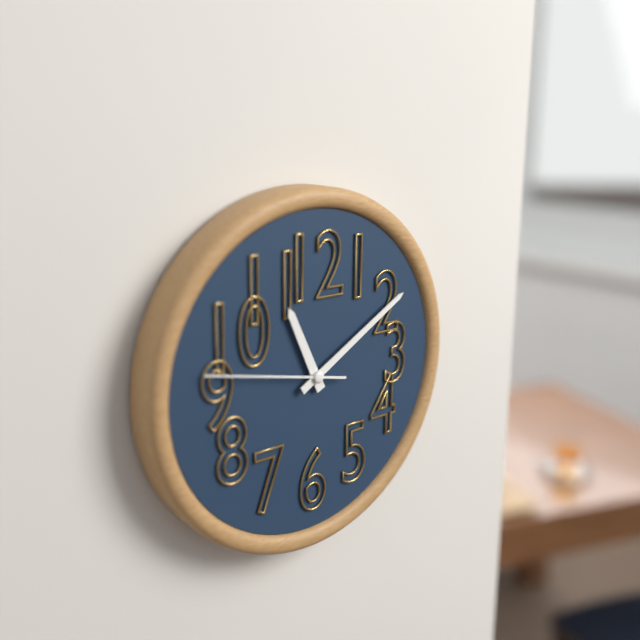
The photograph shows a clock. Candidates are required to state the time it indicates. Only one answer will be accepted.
11:10:47
